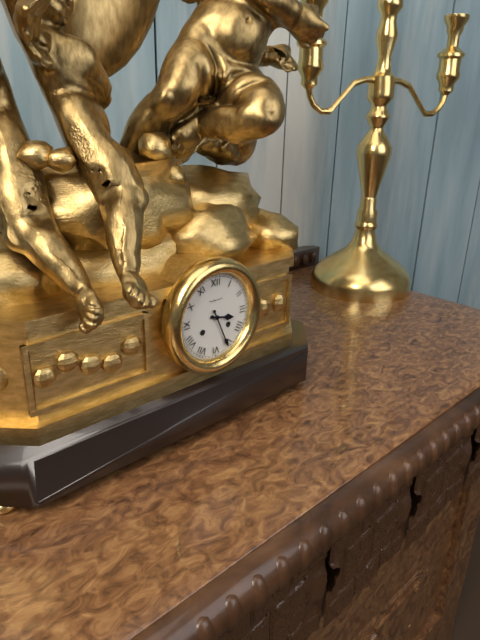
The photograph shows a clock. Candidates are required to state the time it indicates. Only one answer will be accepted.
3:26
